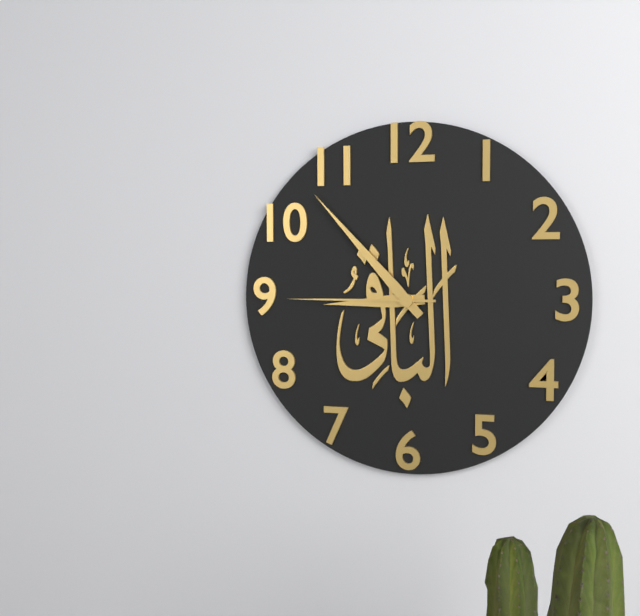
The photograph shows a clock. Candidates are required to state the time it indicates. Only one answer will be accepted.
8:53:45
